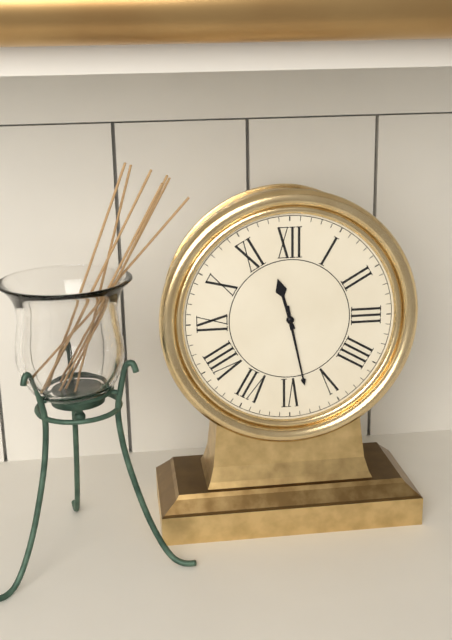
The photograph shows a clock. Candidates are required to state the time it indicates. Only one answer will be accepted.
11:28
